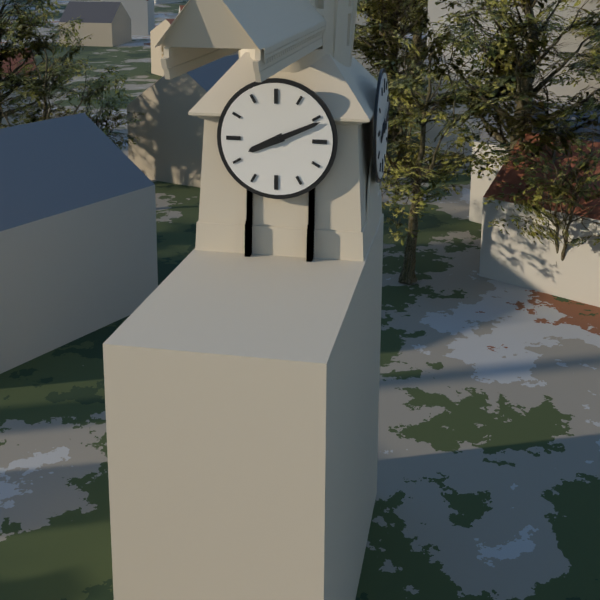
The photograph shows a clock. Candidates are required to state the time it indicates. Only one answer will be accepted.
8:11
